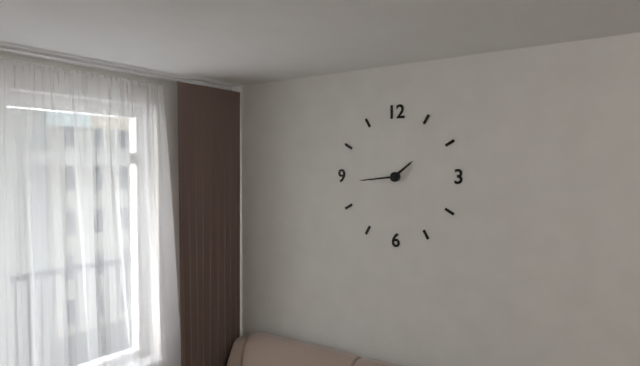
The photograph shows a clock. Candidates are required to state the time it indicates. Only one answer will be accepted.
1:44
